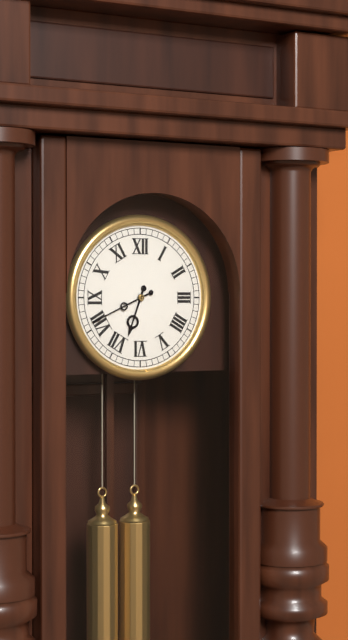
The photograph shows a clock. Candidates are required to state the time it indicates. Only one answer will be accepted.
6:41
